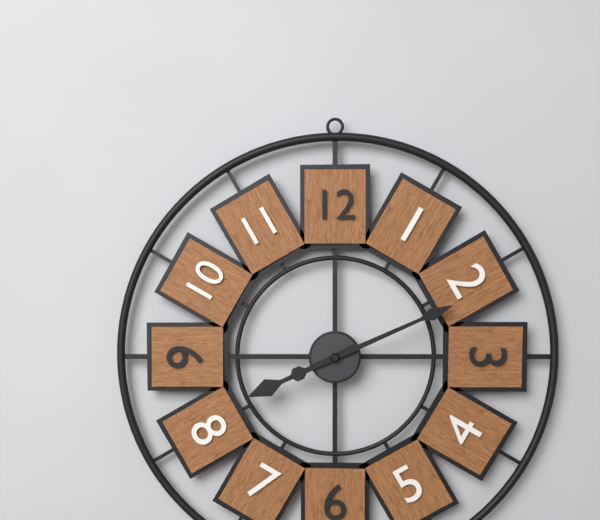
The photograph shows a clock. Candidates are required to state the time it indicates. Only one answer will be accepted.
8:11
